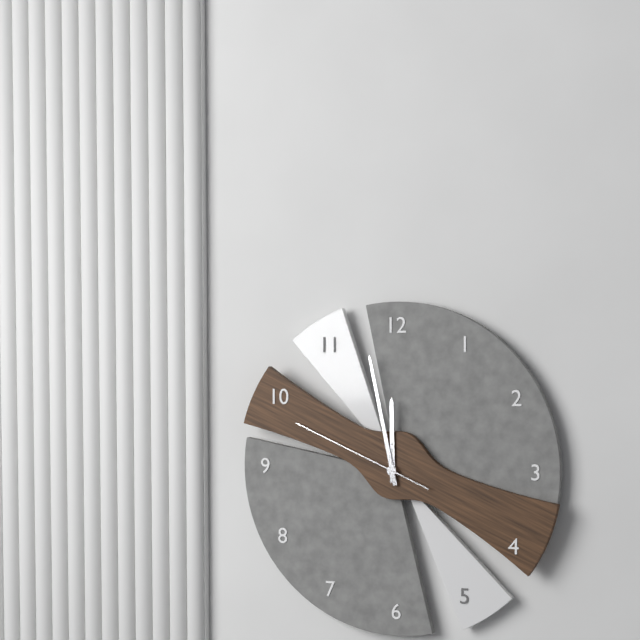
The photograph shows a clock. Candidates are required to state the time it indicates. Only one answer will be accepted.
11:58:49
